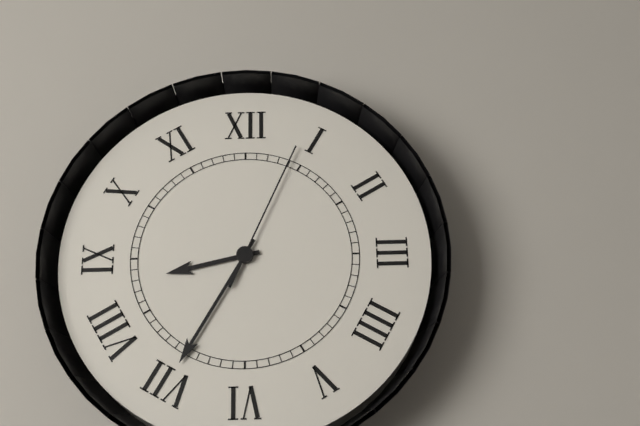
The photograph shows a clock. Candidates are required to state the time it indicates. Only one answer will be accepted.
8:35:04
